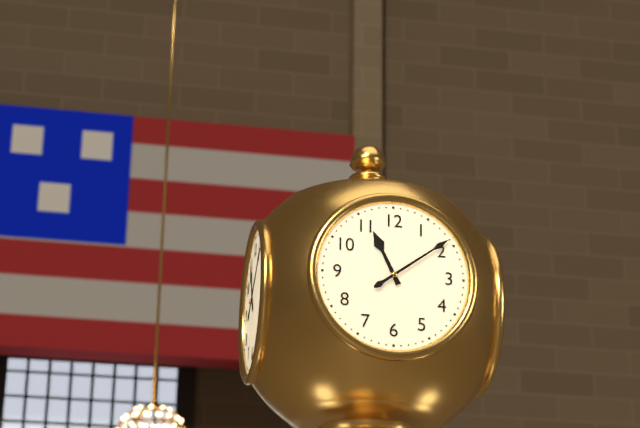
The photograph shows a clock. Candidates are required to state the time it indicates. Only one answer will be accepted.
11:09
